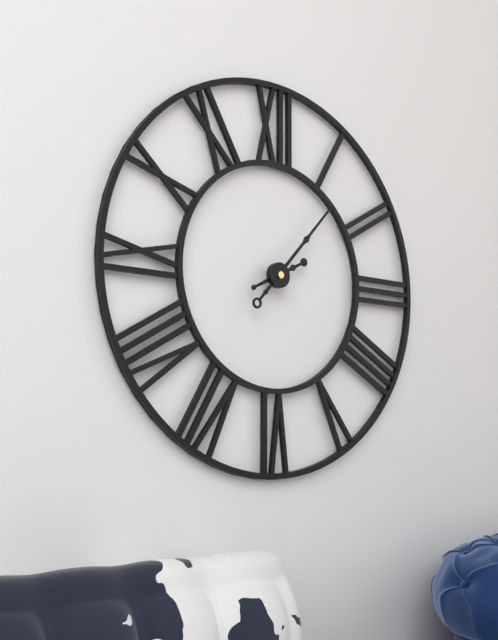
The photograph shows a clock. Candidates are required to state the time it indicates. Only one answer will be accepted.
2:07
